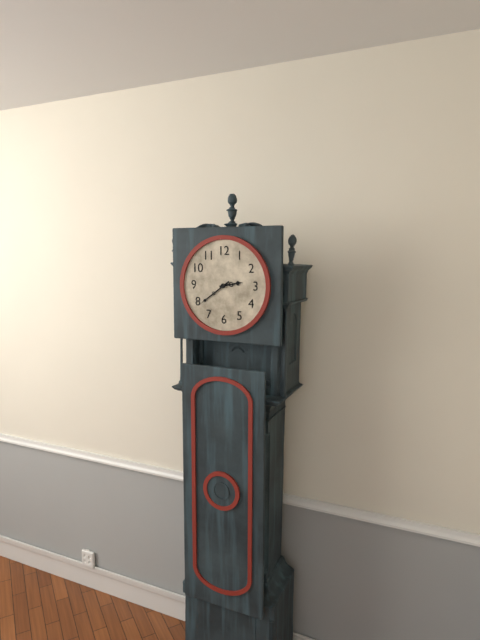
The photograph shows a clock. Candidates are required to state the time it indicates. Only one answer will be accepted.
2:39
